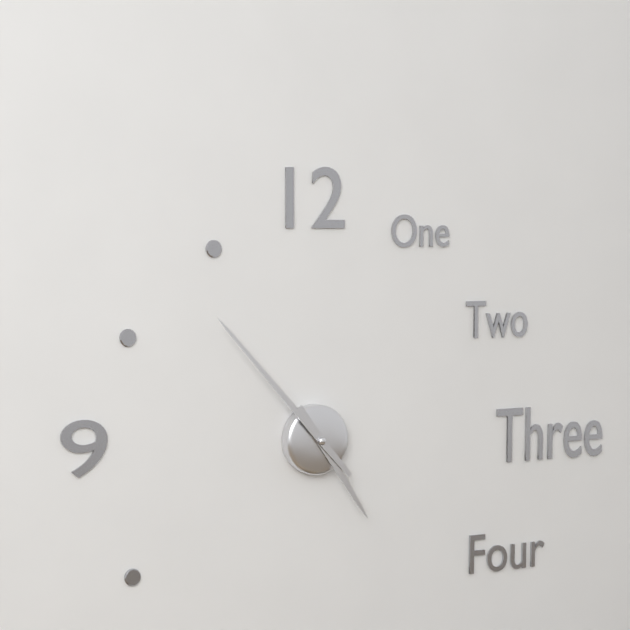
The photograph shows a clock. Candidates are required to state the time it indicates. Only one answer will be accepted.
4:53
